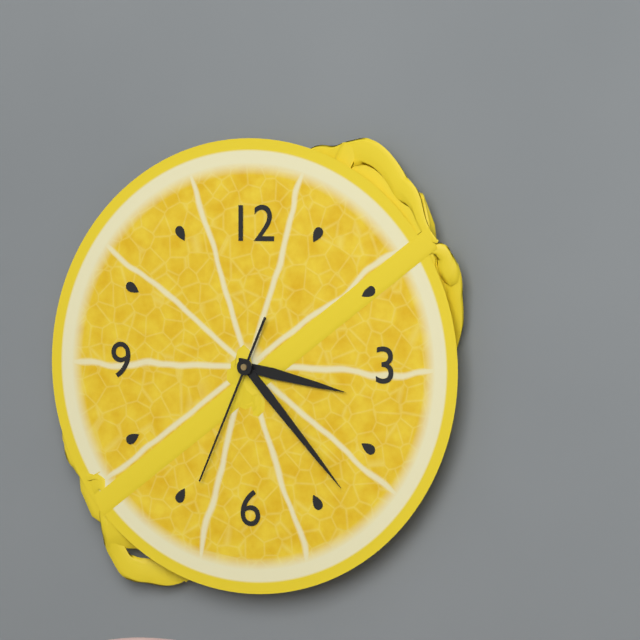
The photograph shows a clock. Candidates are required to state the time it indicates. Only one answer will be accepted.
3:23:34
